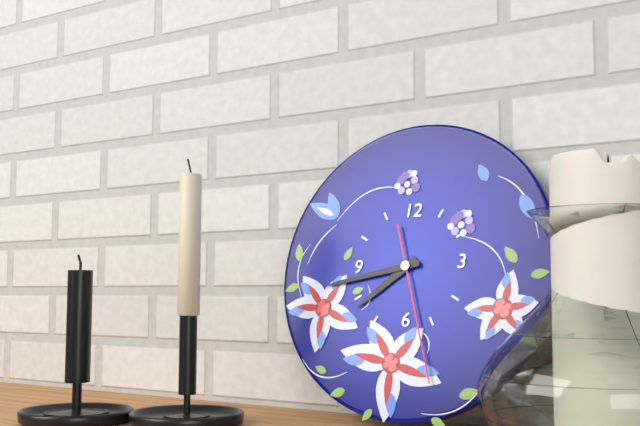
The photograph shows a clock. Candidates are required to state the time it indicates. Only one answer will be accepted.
7:43:27
